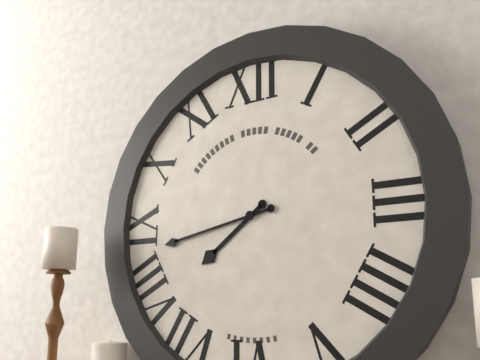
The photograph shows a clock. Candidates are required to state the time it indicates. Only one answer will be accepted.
7:43
